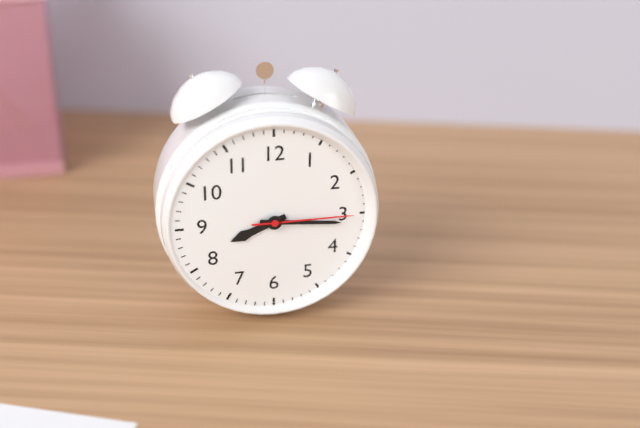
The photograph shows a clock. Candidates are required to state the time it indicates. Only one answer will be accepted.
8:16:15
